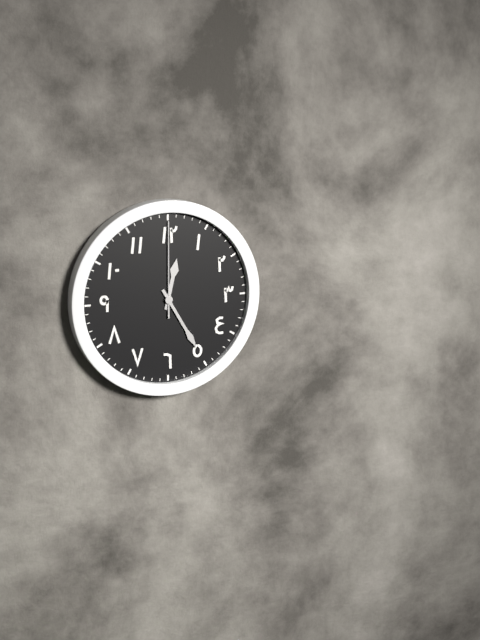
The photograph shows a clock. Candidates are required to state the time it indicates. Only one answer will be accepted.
12:25:00
